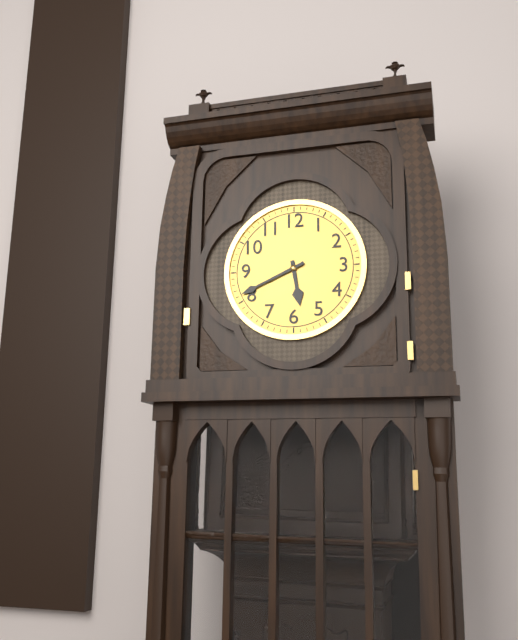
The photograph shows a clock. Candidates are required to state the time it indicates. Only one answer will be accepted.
5:41
